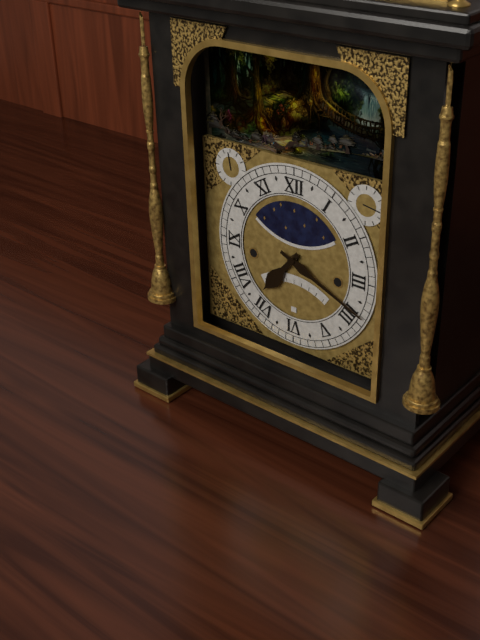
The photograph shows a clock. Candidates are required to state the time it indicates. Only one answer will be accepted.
7:19
